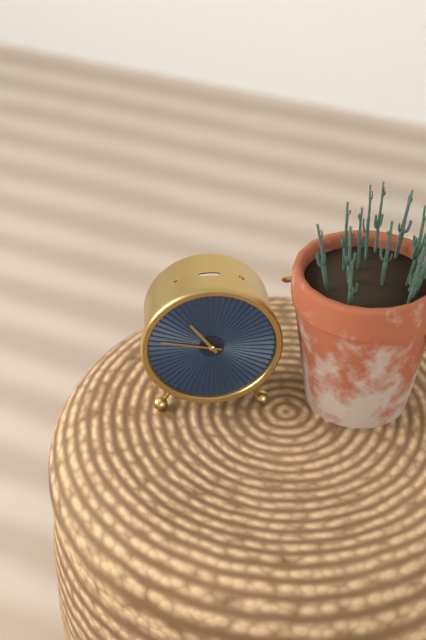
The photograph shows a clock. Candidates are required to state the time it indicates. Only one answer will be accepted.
10:47
